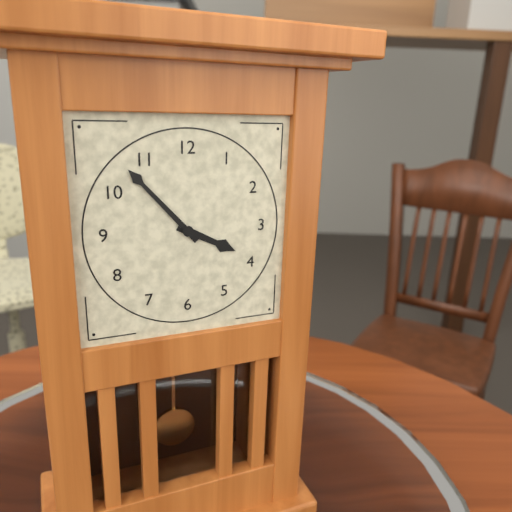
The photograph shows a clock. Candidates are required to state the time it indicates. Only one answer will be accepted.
3:53
